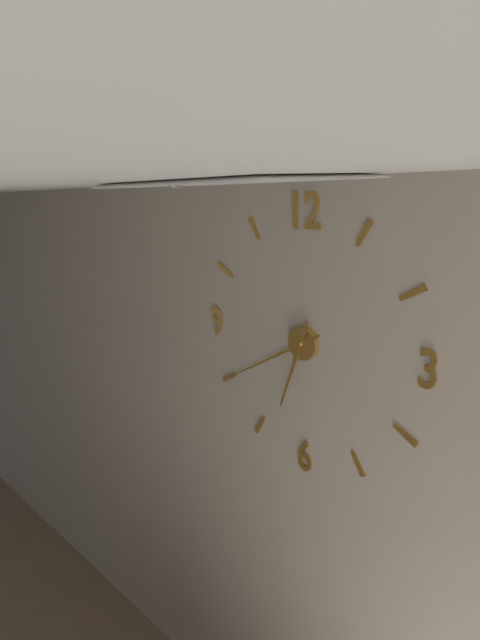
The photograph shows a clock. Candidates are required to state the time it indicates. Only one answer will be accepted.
6:40
